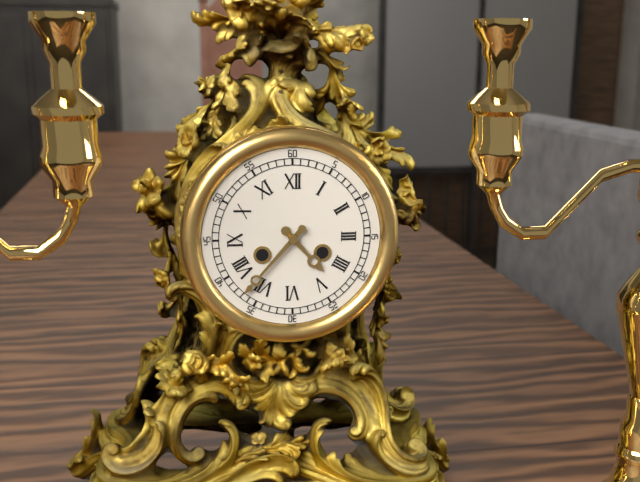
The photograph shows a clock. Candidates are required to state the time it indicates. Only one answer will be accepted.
4:37
